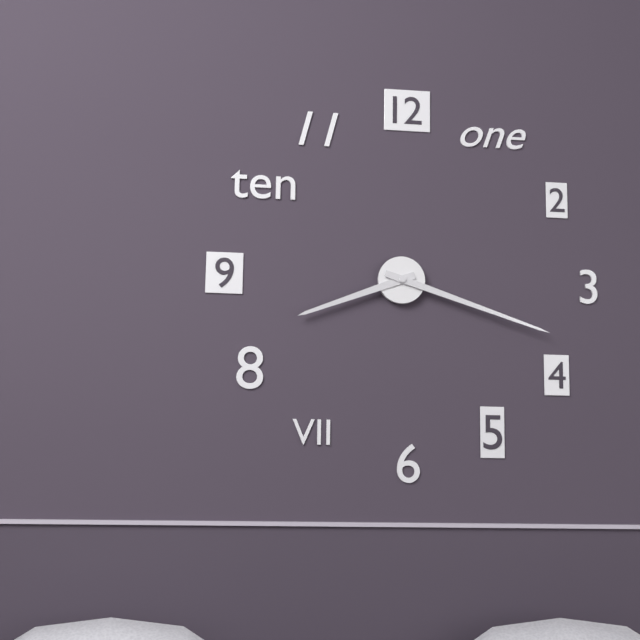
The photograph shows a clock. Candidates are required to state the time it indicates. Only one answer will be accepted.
8:18
